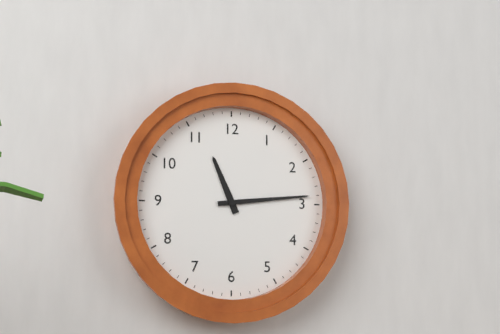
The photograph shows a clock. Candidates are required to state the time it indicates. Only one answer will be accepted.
11:14
